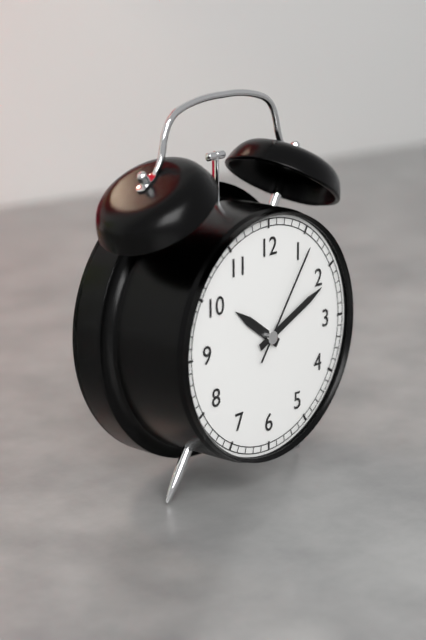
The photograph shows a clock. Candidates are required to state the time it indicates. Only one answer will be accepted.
10:11:06
